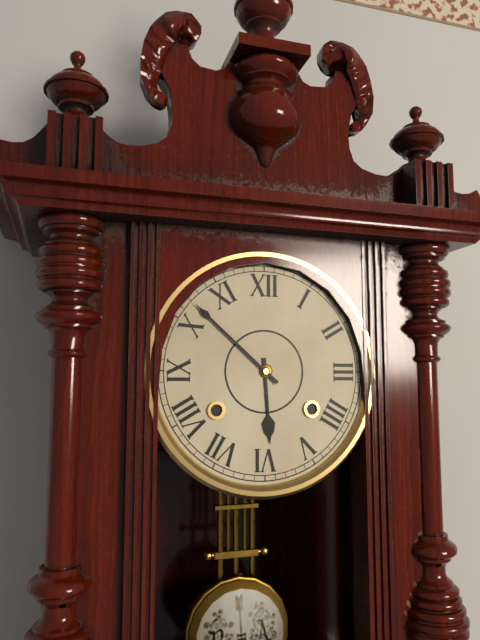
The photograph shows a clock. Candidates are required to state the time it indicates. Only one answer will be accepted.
5:52
